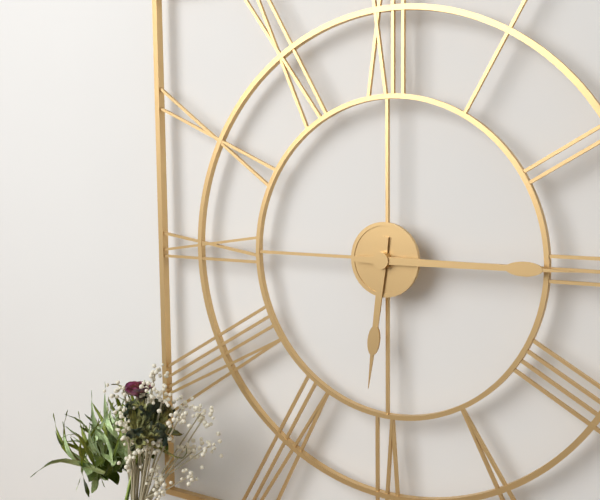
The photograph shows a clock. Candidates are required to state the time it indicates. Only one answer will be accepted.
6:15
